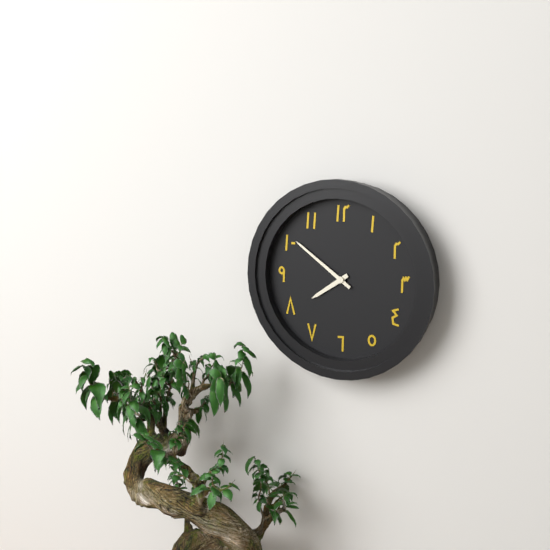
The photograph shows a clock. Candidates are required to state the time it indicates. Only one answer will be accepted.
7:51
